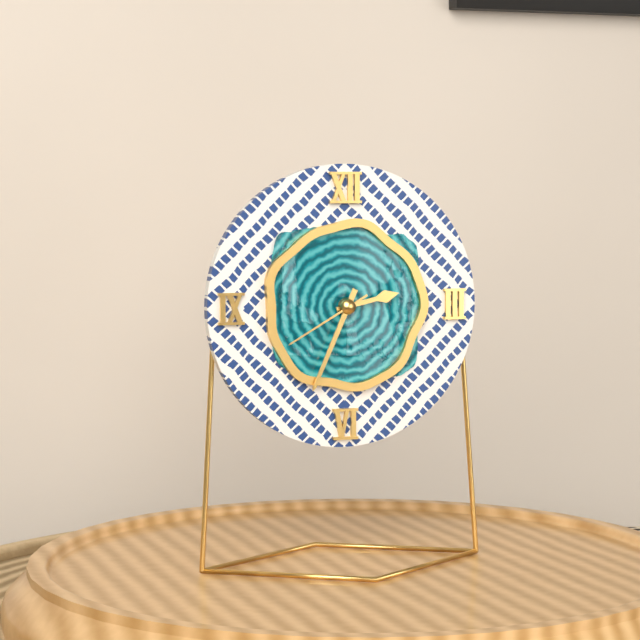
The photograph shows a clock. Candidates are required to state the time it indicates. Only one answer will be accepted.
2:34:40
